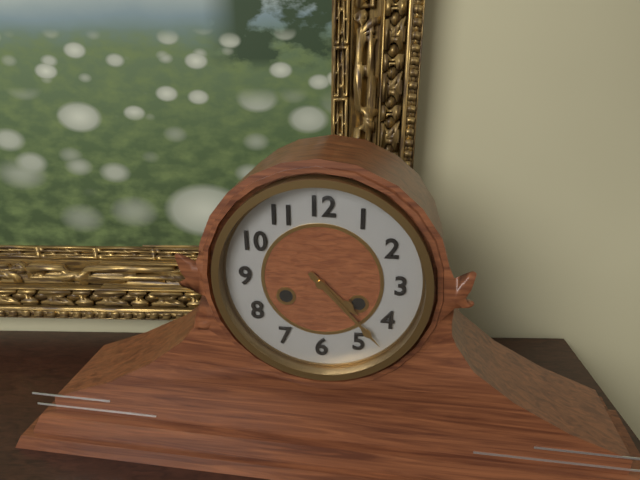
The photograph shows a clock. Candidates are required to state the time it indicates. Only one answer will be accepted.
4:23
